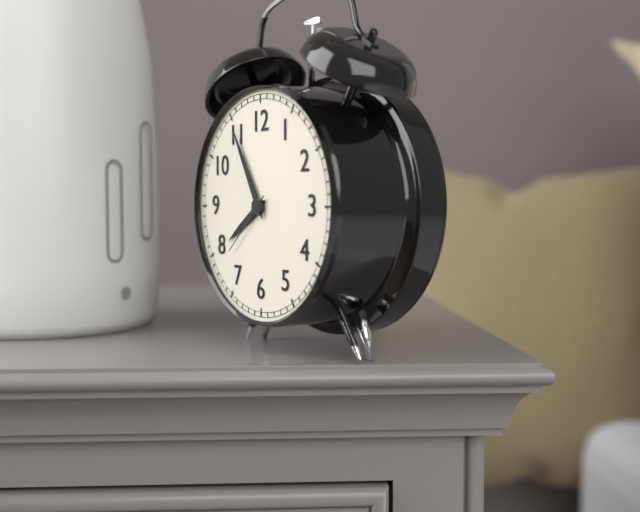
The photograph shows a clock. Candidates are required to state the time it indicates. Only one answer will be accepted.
7:55:38
